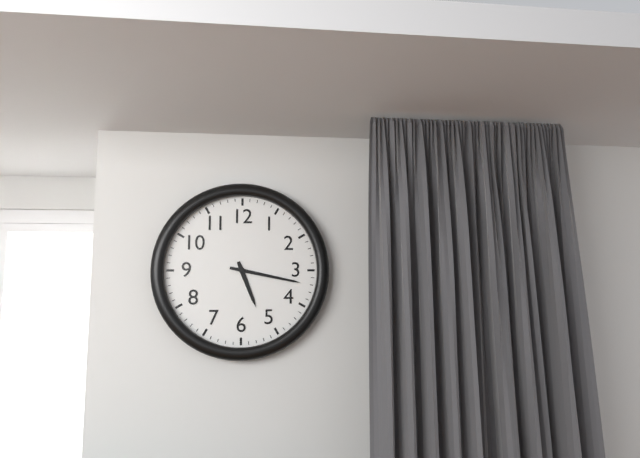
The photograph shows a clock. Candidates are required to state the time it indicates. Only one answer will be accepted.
5:17
